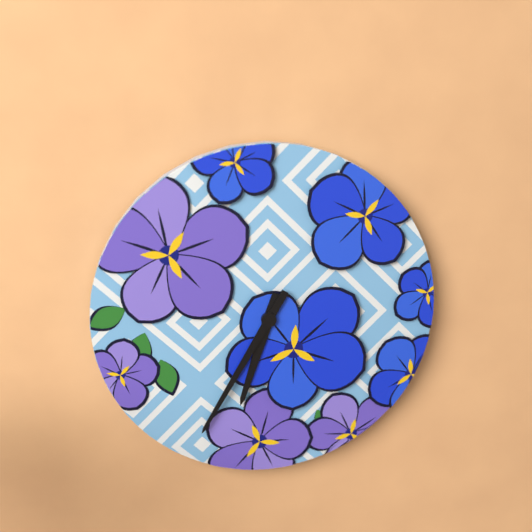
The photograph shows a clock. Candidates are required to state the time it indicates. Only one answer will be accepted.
6:35
